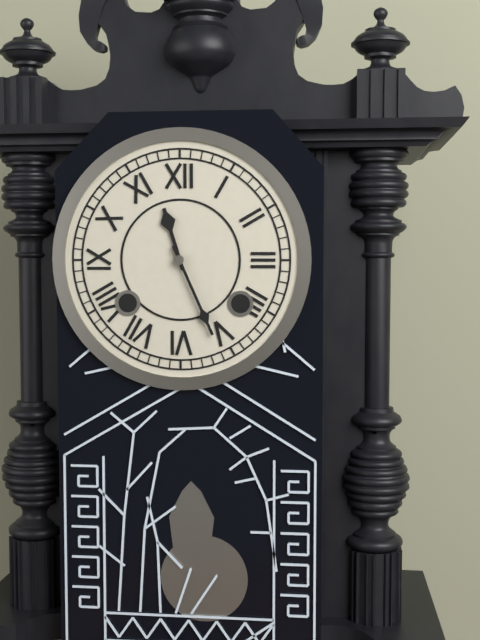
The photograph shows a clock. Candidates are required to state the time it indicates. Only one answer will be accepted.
11:26
